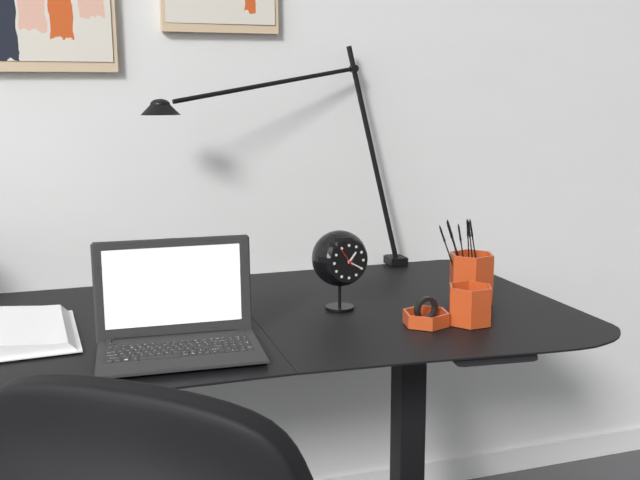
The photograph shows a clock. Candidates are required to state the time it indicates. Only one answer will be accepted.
1:20
